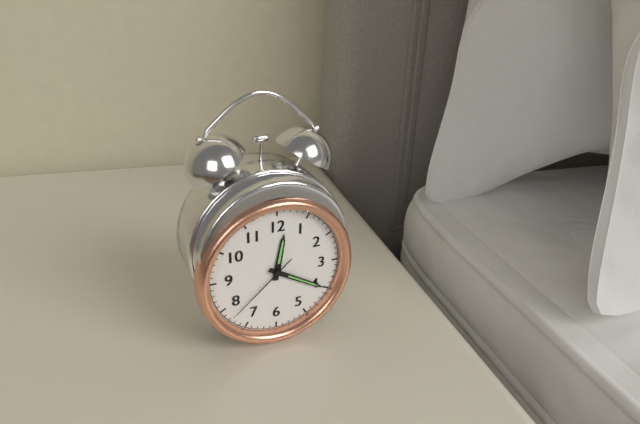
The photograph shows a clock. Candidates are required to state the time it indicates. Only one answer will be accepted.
12:20:38
